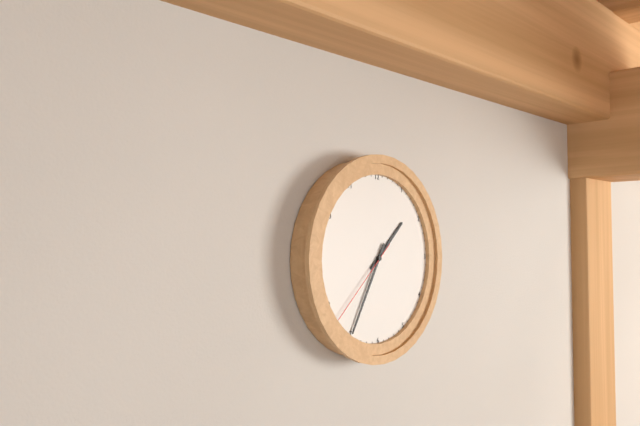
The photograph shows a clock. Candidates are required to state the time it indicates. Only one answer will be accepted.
1:35:38
